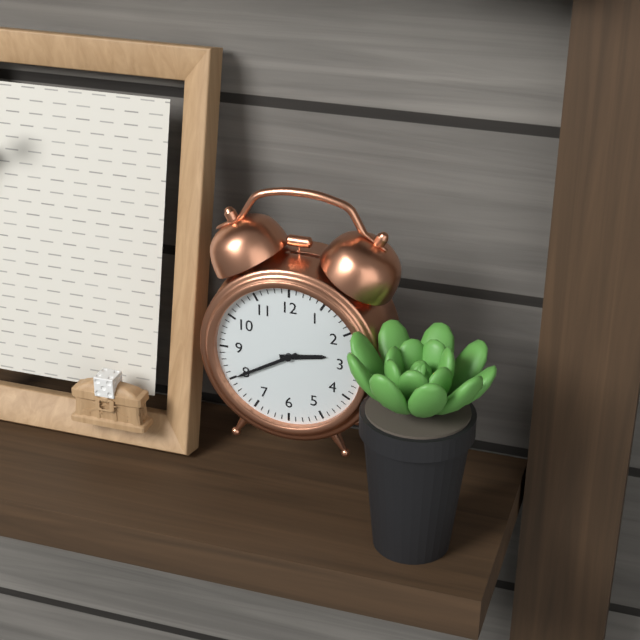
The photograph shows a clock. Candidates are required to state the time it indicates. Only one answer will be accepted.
2:40
